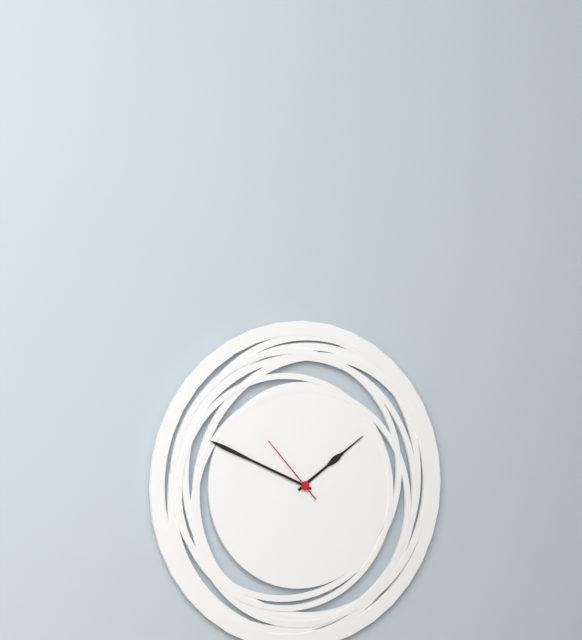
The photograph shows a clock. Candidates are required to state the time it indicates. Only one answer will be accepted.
1:49:53
